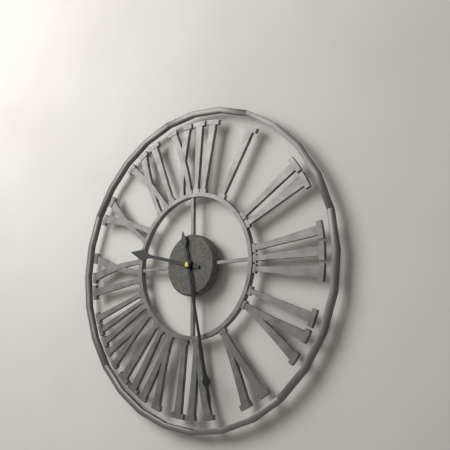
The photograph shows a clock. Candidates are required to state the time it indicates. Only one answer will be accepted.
9:28
